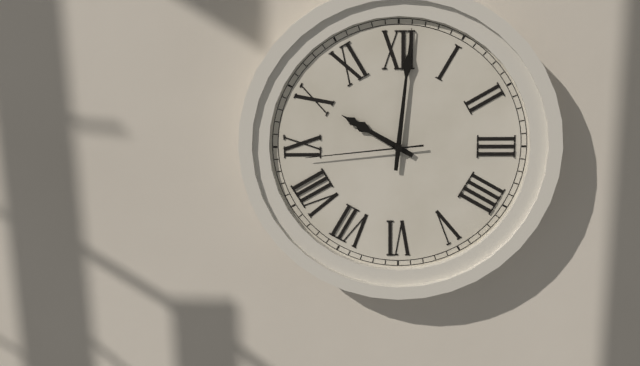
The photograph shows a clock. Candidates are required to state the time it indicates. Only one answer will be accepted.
10:01:44
